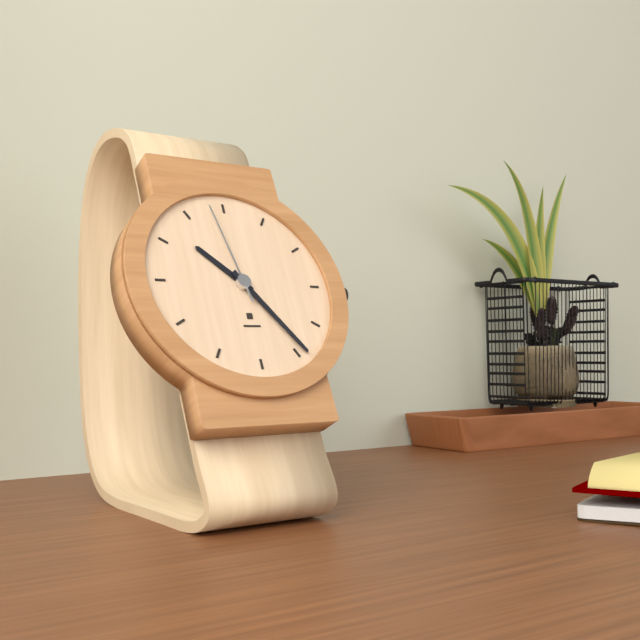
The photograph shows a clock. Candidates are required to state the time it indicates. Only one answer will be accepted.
10:24:58
